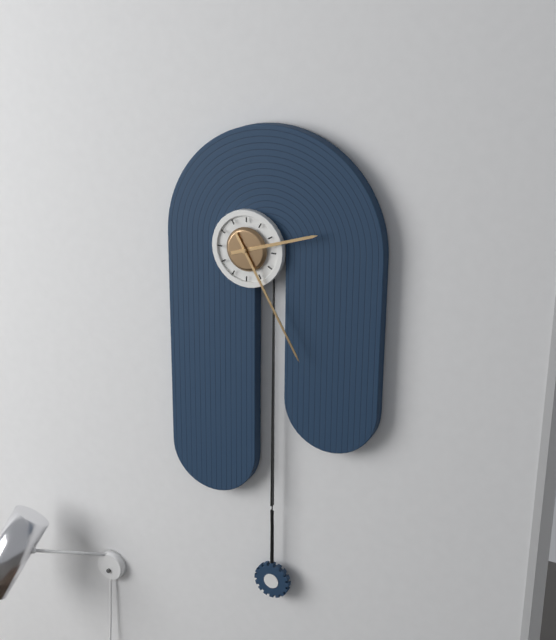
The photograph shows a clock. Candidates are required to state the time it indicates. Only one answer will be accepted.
2:25
